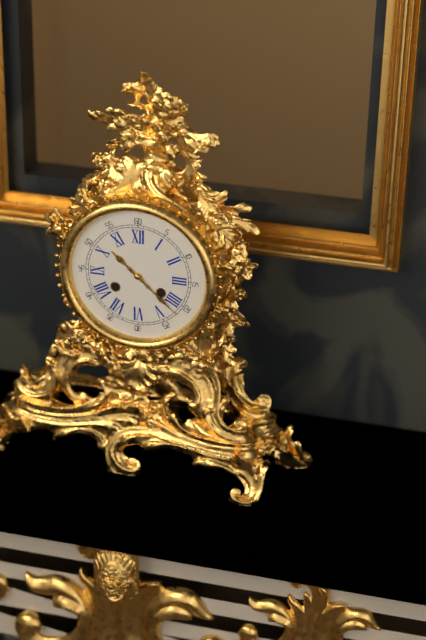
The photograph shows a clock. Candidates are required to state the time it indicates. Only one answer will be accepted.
10:22
